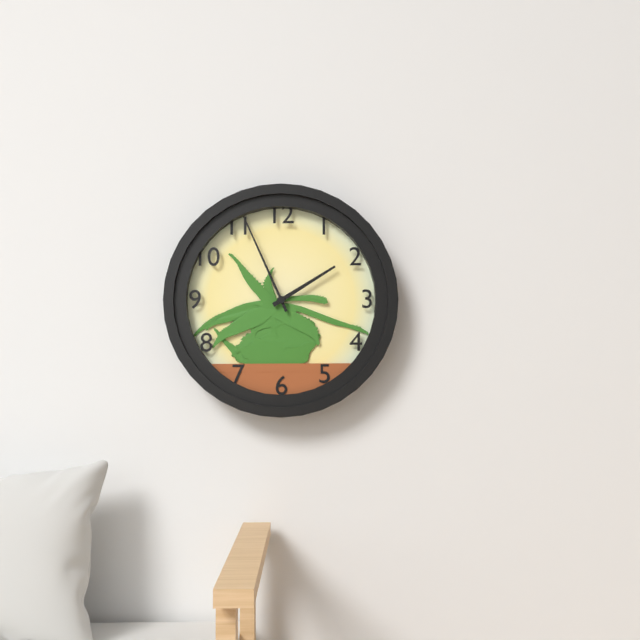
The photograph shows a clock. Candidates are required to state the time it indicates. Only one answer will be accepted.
1:56
